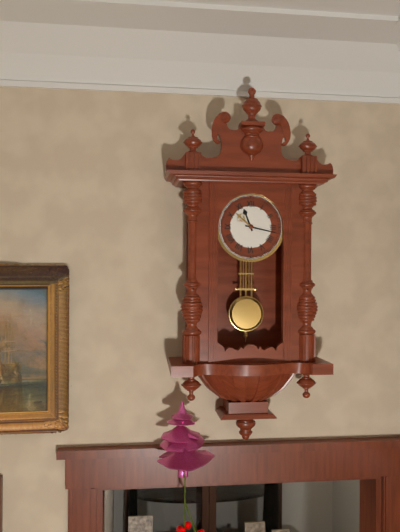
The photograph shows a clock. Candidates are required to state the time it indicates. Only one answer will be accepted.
11:17
